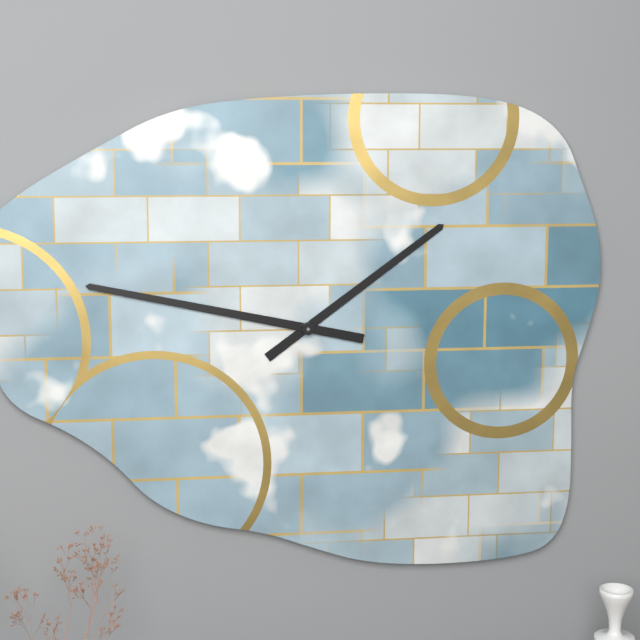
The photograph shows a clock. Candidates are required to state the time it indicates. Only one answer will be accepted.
1:47
